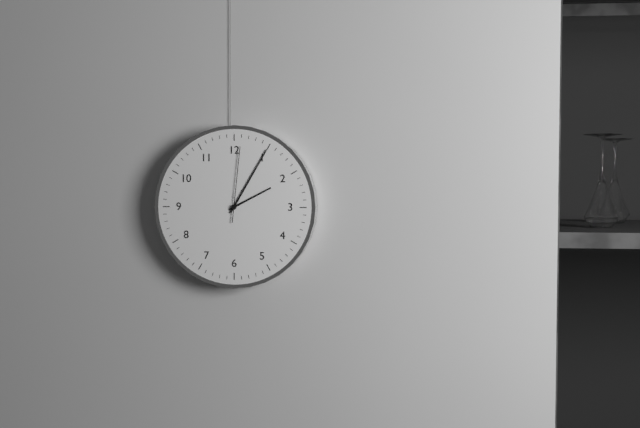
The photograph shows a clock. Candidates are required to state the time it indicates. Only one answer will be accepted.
2:05:01
